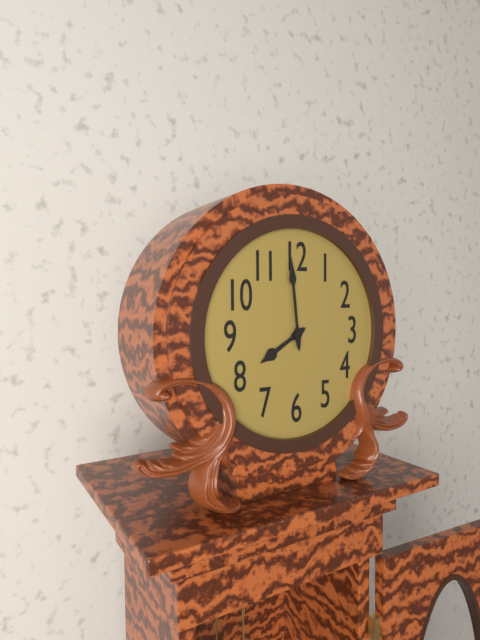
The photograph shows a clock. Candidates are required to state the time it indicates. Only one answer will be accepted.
7:59
